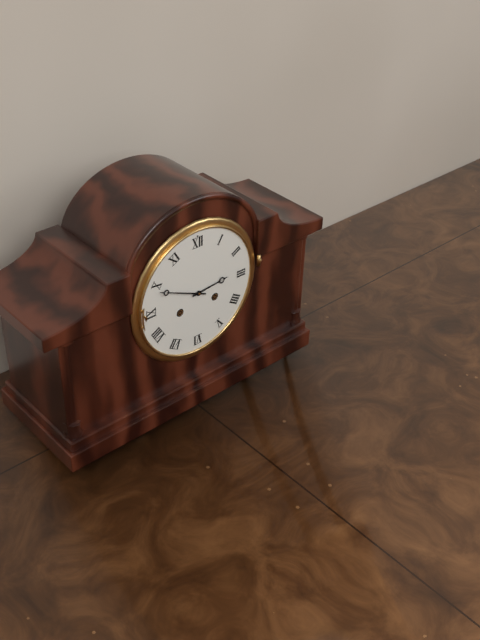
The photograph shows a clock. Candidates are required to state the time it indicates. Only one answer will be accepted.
2:49
